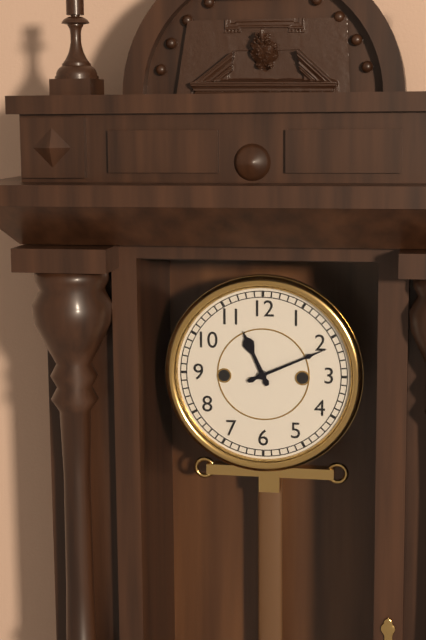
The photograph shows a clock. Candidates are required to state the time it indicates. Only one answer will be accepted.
11:11
